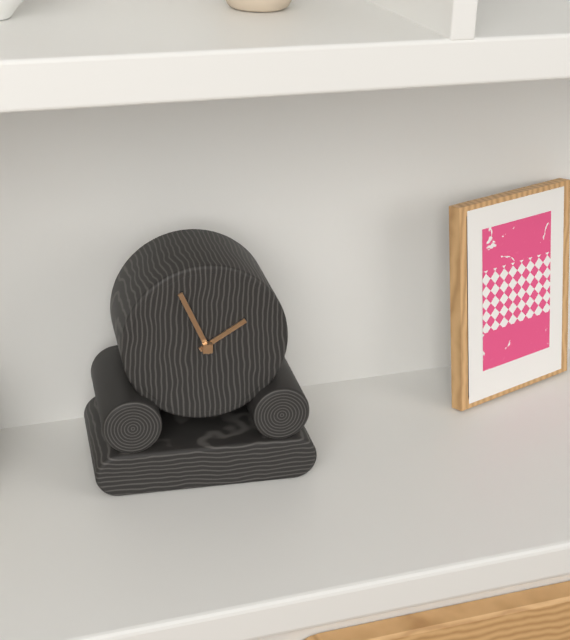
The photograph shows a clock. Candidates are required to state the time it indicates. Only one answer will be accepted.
1:56
